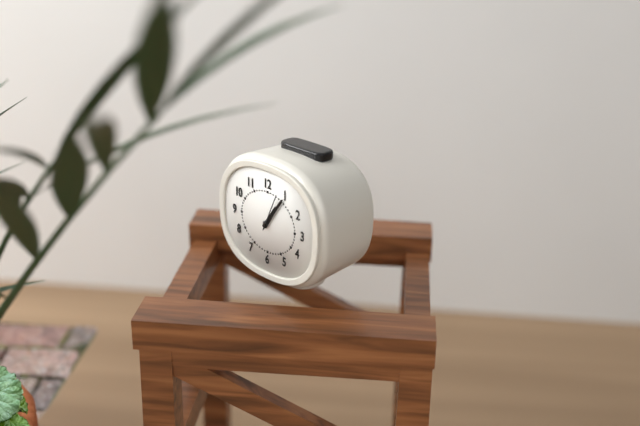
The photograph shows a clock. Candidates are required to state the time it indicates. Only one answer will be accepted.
1:06
